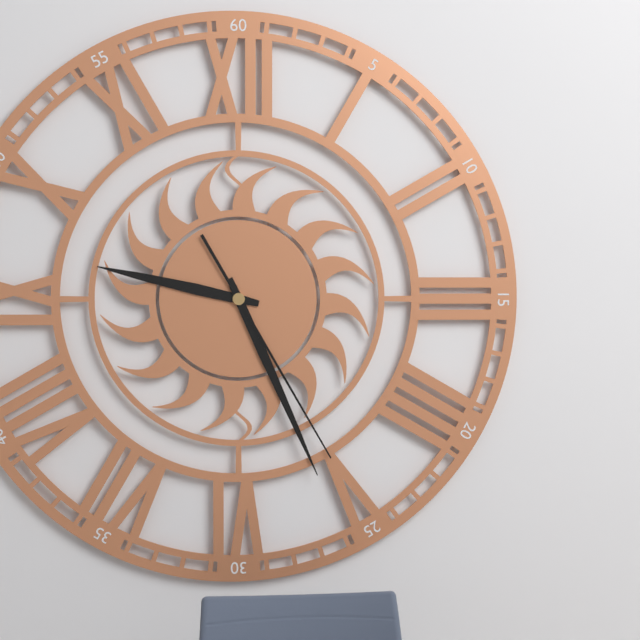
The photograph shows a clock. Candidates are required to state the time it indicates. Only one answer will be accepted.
9:26:25
